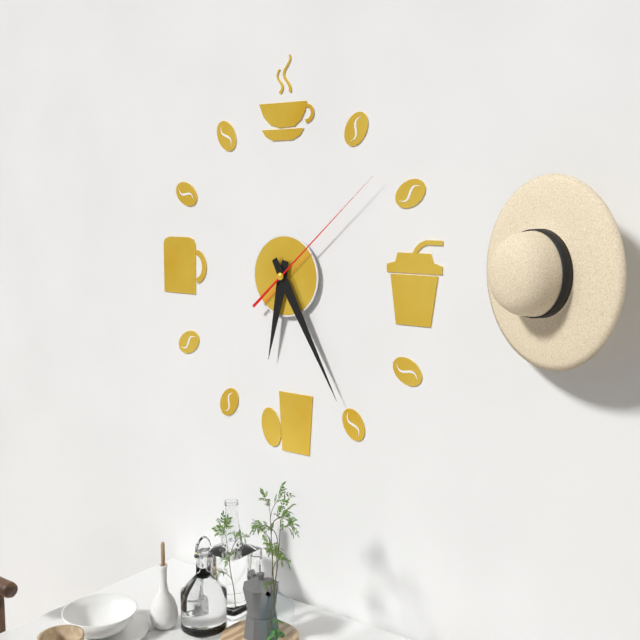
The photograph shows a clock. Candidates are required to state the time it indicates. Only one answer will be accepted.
6:25:08
